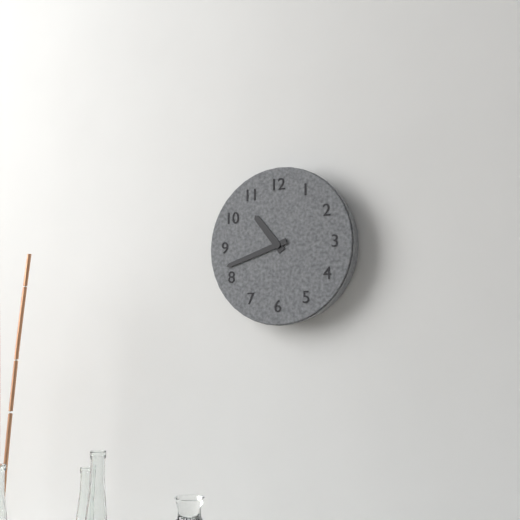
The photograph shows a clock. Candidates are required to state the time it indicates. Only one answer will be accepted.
10:42
